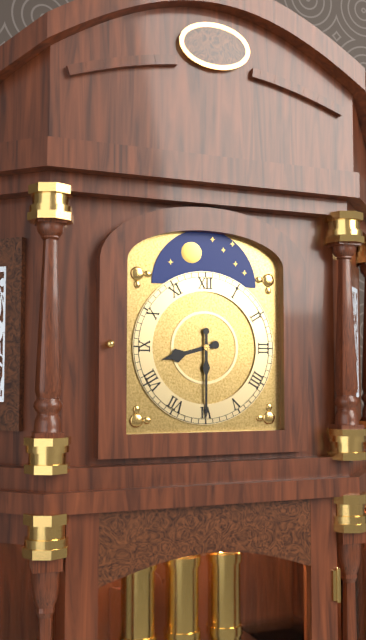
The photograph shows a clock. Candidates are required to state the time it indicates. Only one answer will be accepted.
8:30
